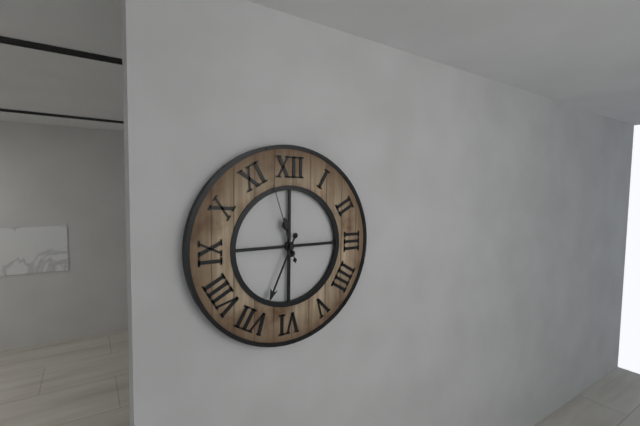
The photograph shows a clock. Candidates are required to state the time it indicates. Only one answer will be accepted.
11:34:57
